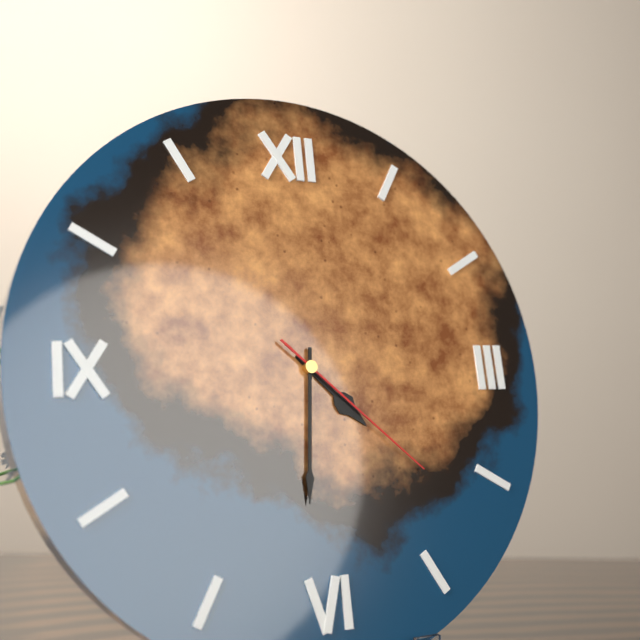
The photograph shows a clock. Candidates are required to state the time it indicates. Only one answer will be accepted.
4:31:22
